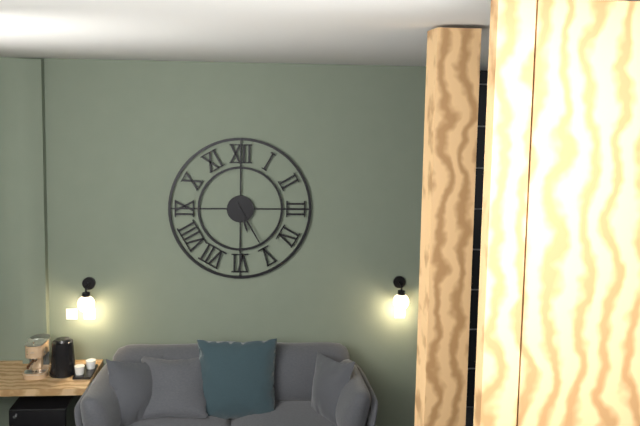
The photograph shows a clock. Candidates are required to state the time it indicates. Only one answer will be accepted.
5:25
